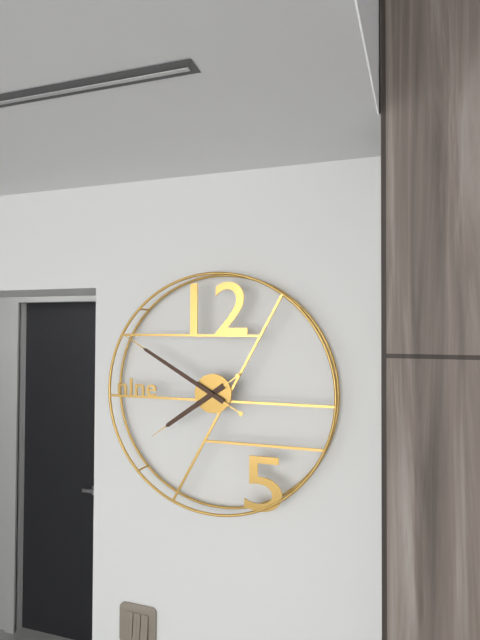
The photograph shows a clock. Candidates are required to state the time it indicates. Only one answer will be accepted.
7:50
